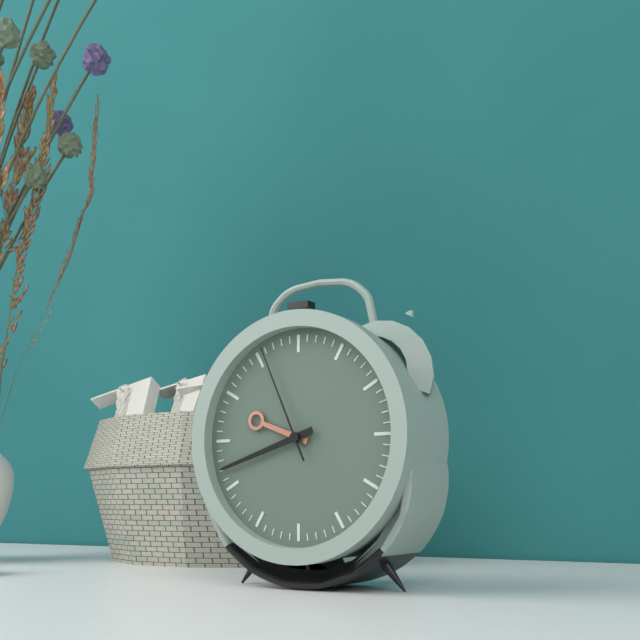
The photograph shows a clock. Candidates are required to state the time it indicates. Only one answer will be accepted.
9:42:56
